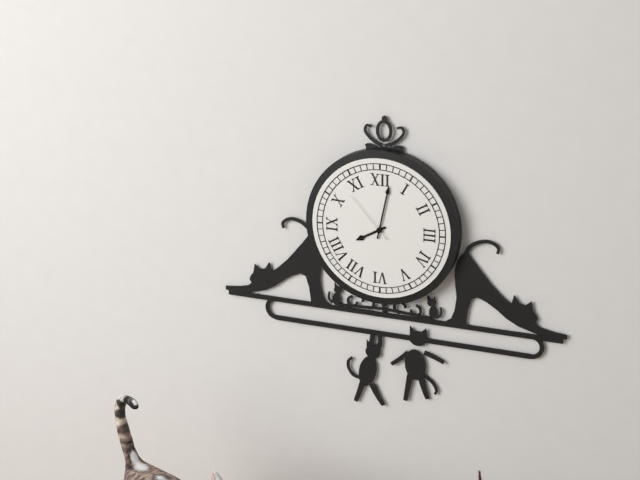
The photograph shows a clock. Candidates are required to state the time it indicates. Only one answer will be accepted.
8:02:53
